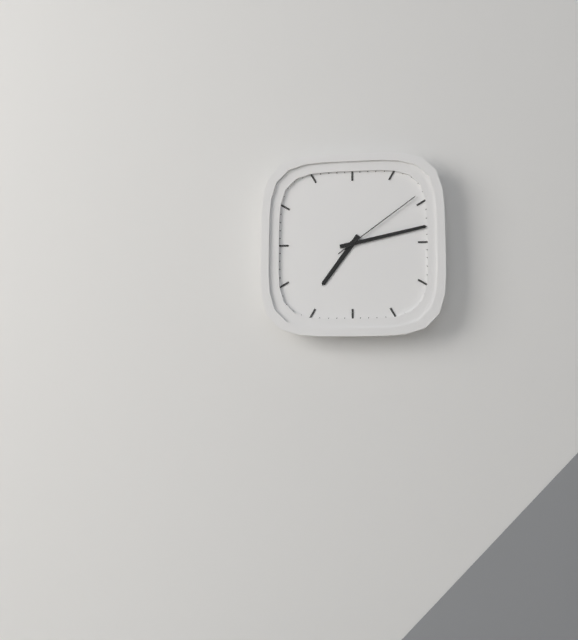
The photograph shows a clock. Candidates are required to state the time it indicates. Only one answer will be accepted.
7:13:09
